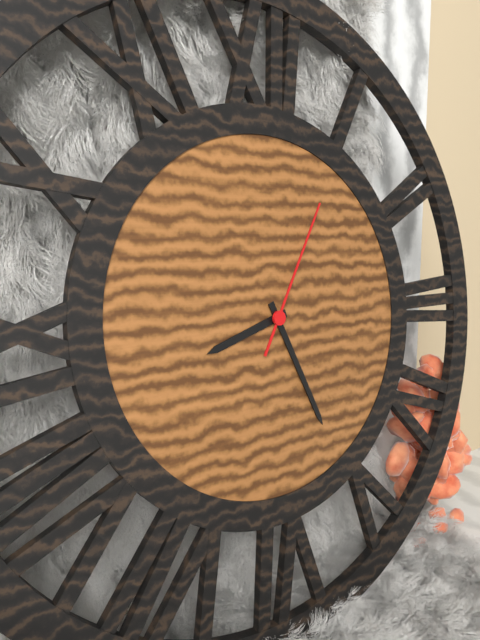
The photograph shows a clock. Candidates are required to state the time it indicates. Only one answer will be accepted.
8:26:05
